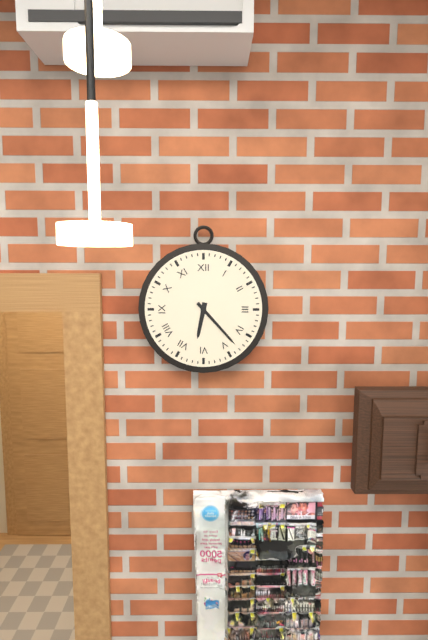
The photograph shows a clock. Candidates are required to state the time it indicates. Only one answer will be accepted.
6:23
